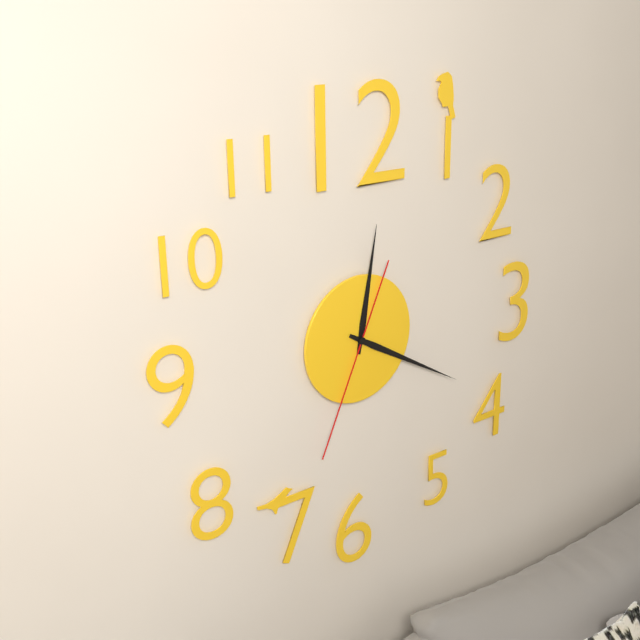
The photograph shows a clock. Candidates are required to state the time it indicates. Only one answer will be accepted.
12:20:34
